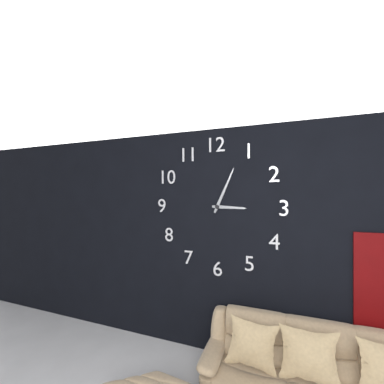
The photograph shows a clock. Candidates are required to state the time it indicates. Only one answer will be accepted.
3:04
